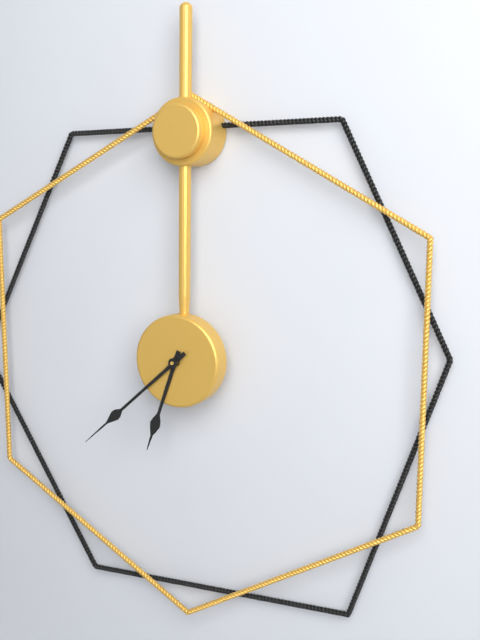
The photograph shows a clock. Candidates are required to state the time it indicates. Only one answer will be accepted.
6:38
